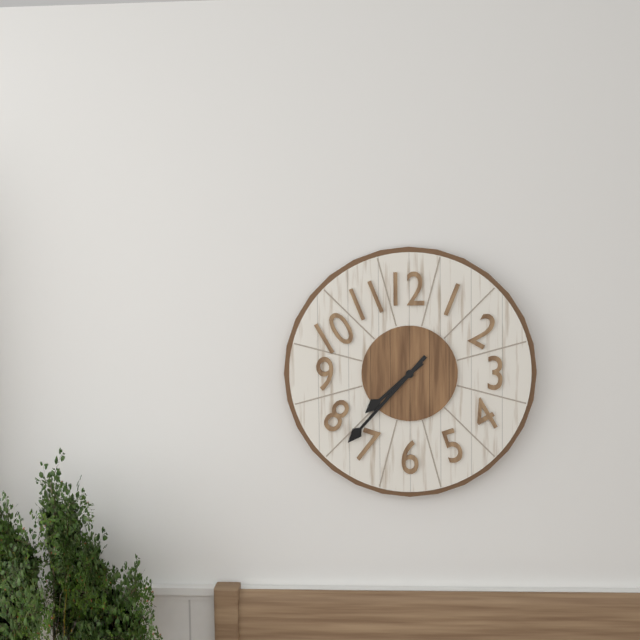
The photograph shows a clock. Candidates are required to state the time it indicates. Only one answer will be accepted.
7:37
